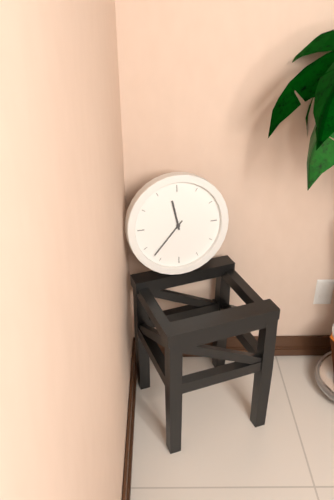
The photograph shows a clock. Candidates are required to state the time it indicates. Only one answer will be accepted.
11:37
